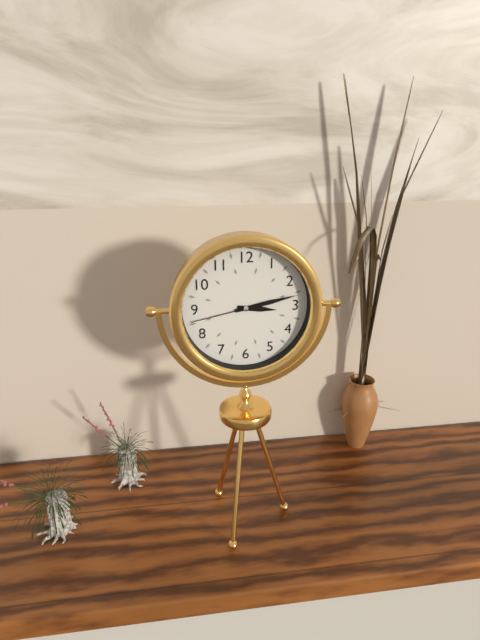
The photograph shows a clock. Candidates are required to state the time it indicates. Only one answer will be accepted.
3:13:43
